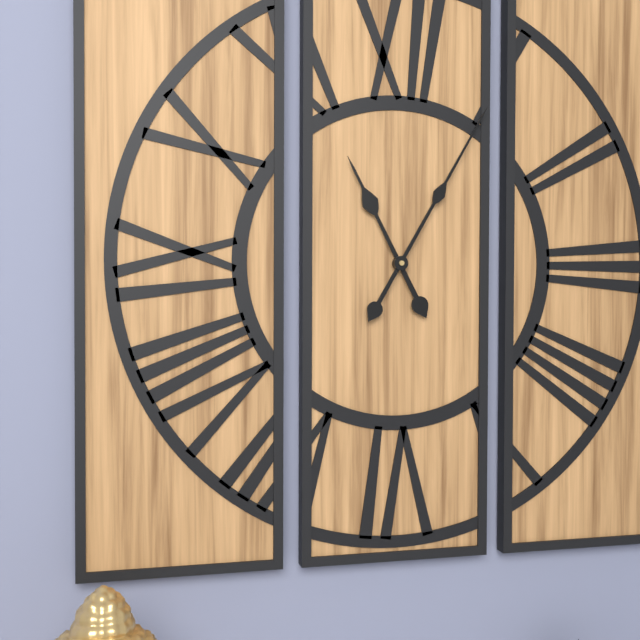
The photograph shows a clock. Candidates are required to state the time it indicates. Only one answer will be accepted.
11:05
